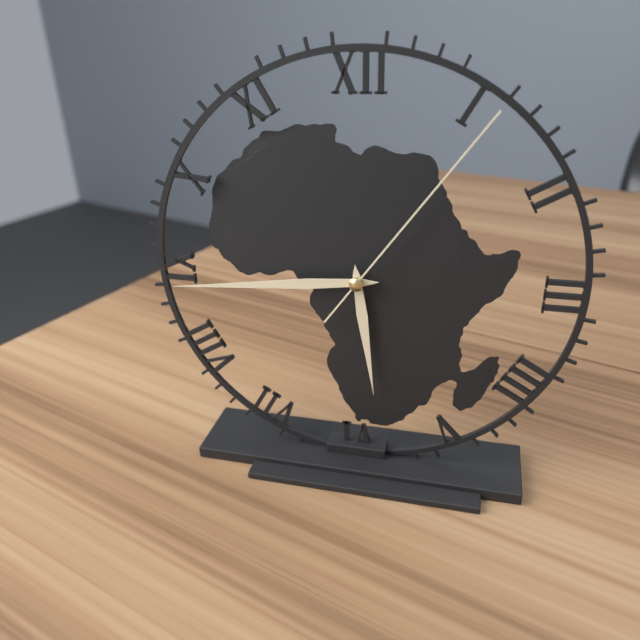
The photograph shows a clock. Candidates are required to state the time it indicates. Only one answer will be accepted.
5:44:06
